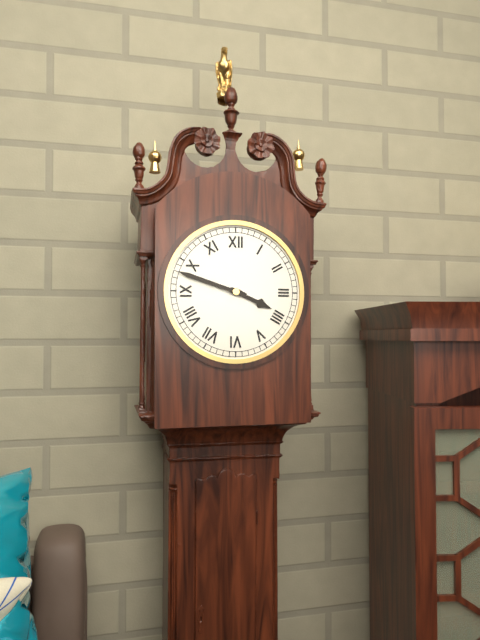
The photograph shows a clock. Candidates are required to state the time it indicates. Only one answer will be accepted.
3:48
